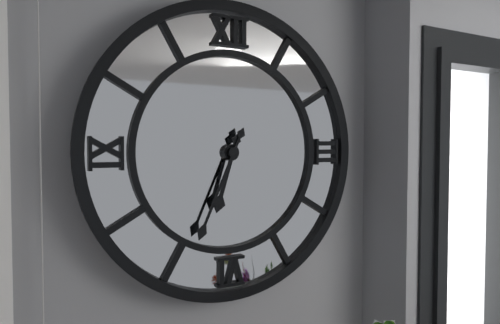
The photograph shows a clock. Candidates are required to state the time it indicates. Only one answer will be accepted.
6:34
